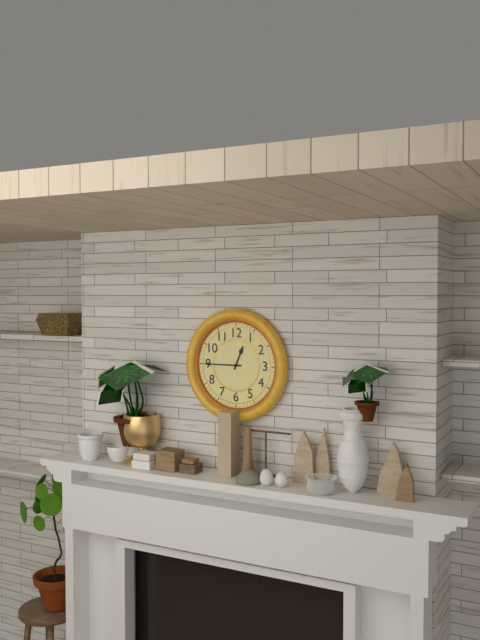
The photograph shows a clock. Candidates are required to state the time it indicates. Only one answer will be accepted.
12:45
